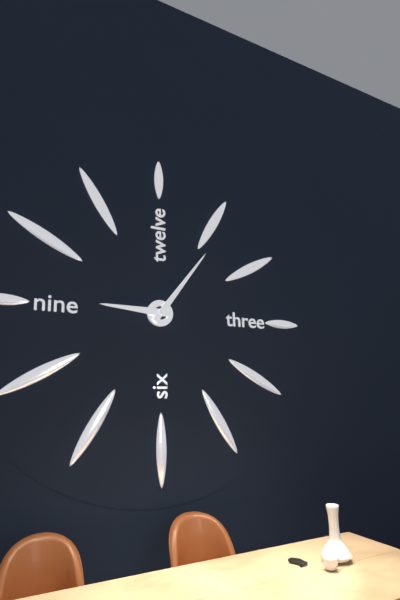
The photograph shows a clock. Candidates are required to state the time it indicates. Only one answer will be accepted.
9:06
